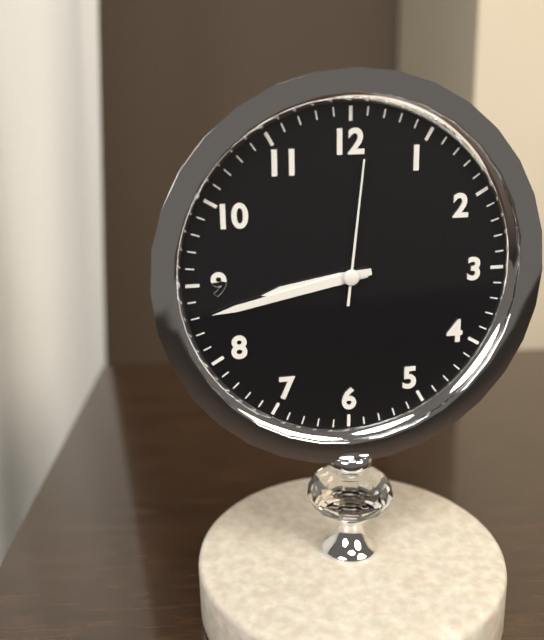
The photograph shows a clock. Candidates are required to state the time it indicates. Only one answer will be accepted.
8:43:01
